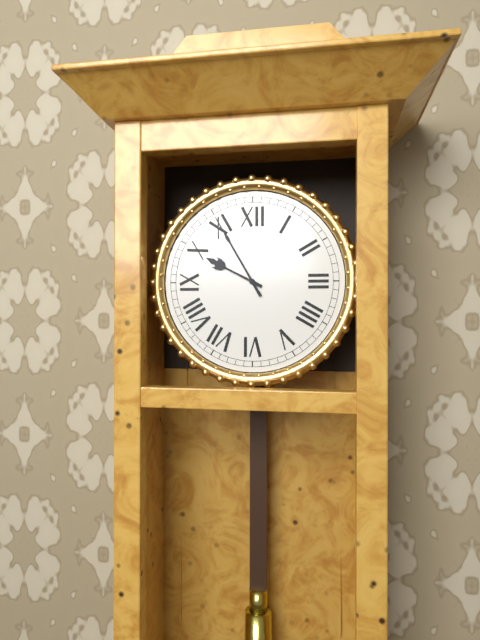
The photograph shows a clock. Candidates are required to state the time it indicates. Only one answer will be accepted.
9:55
